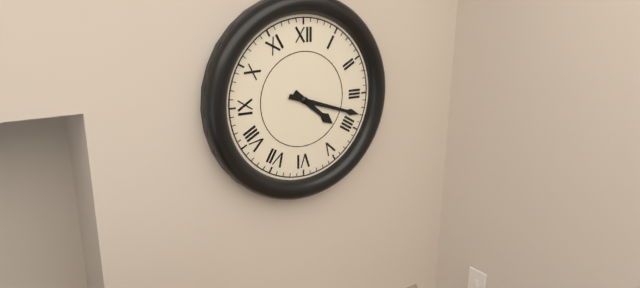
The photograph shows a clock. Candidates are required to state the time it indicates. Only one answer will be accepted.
4:18
